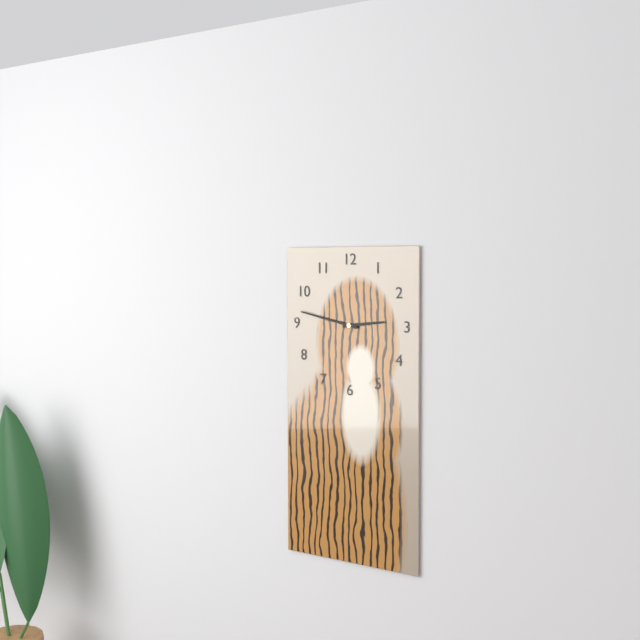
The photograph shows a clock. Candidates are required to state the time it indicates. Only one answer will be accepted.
2:47
